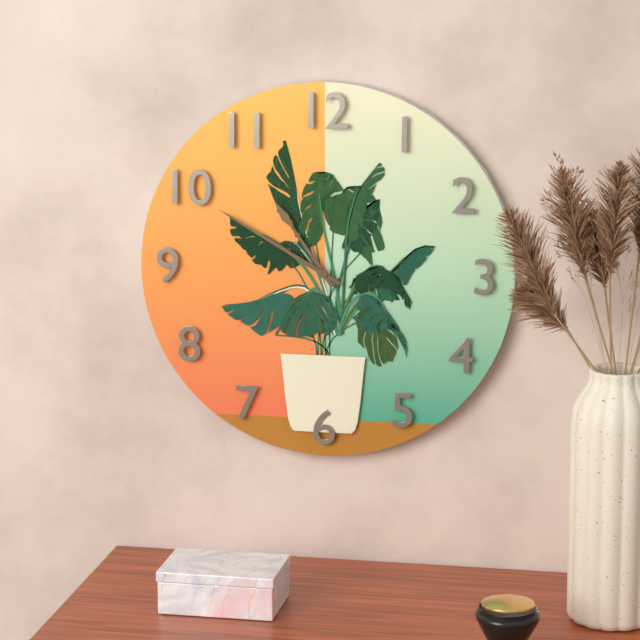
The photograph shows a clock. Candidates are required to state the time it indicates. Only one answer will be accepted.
10:50
